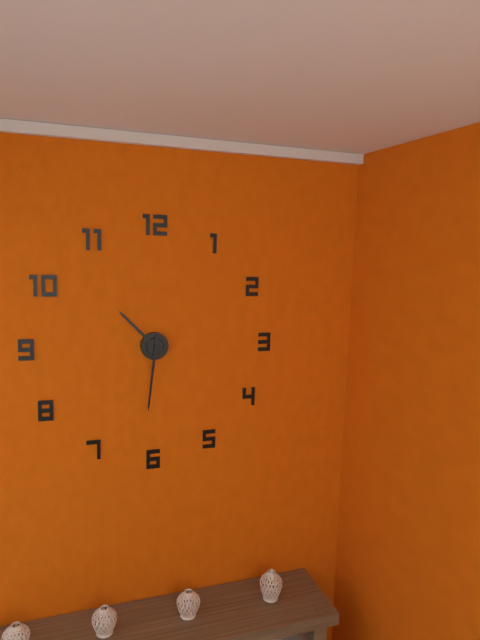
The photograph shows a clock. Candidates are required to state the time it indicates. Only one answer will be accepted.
10:31
